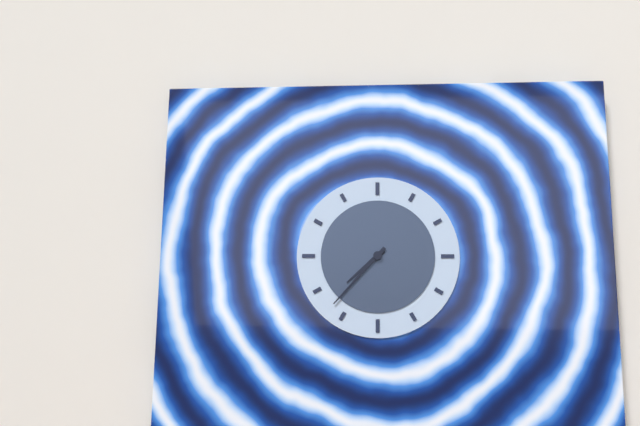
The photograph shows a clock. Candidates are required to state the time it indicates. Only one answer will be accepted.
7:37
